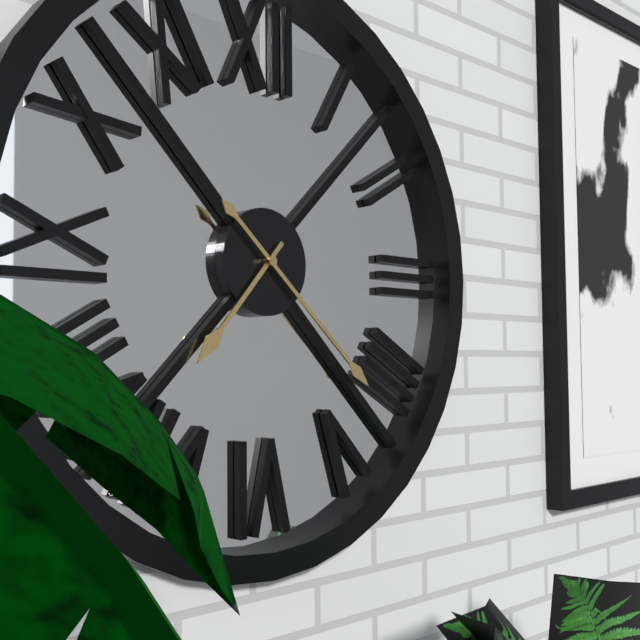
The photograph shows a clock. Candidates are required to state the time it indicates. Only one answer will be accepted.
7:22
